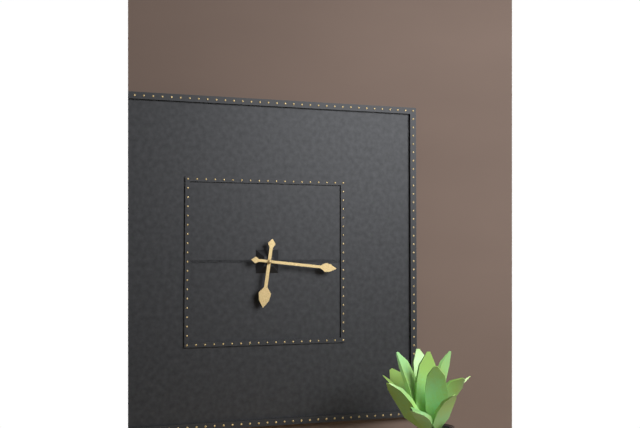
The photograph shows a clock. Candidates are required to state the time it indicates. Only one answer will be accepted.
6:16
